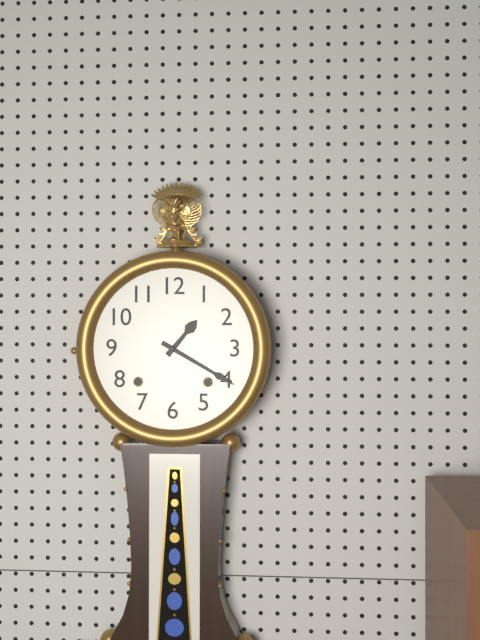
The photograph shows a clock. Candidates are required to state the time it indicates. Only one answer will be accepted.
1:20
